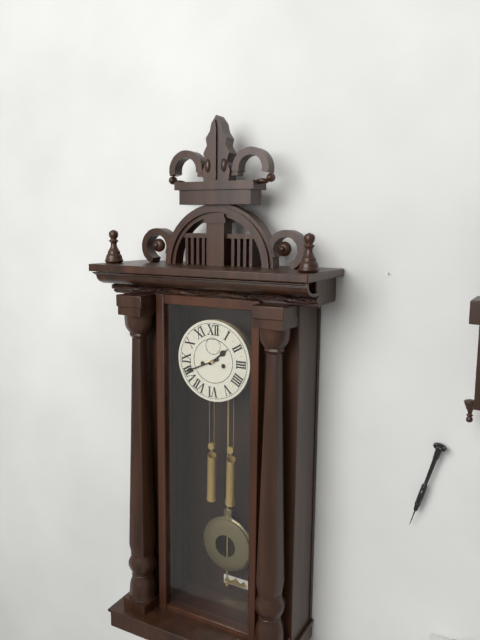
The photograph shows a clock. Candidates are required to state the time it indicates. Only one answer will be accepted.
1:41
